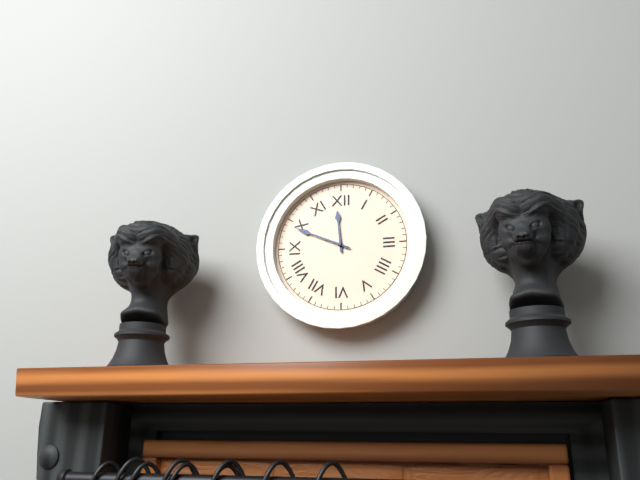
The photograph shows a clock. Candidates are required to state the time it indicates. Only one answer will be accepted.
11:49
